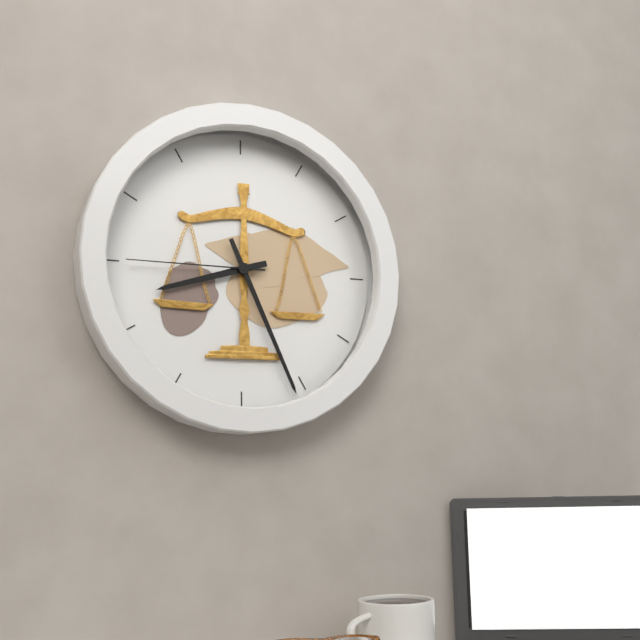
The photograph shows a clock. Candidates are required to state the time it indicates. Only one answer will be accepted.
8:26:45
